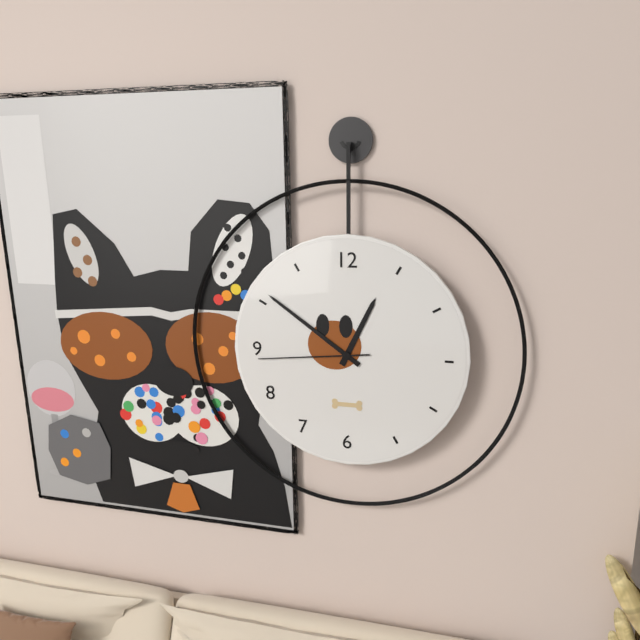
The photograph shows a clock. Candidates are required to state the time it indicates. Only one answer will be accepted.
12:51:44
